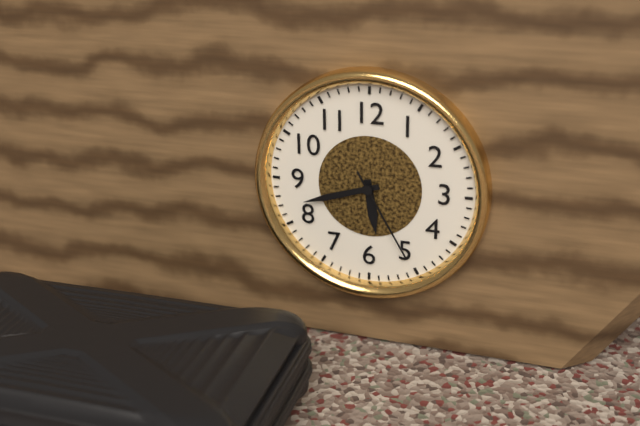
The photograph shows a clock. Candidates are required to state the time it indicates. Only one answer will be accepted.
5:42:25
